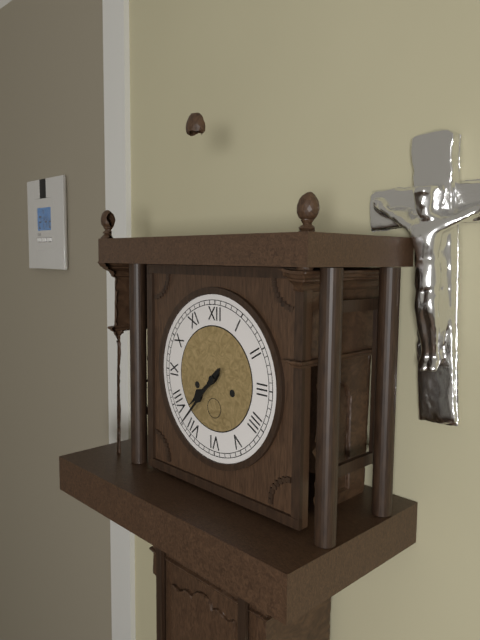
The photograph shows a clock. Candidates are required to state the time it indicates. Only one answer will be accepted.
7:37
